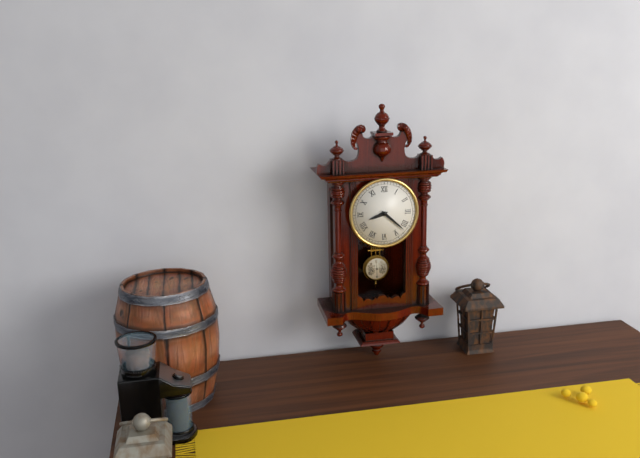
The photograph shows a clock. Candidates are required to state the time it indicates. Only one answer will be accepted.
8:22
